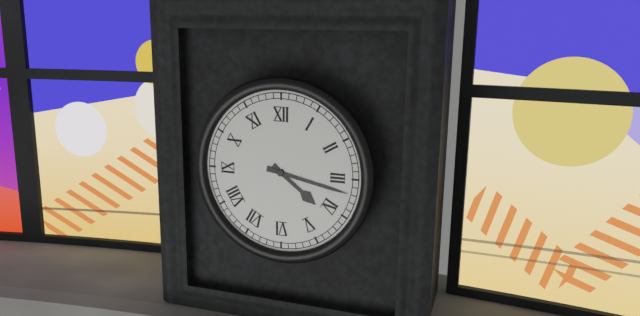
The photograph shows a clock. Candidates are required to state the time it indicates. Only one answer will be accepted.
4:17
